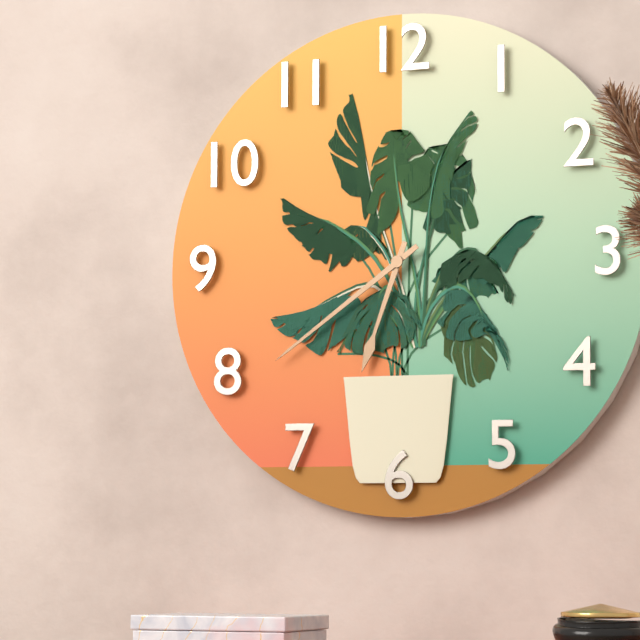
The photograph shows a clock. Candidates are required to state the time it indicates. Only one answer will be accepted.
6:39
